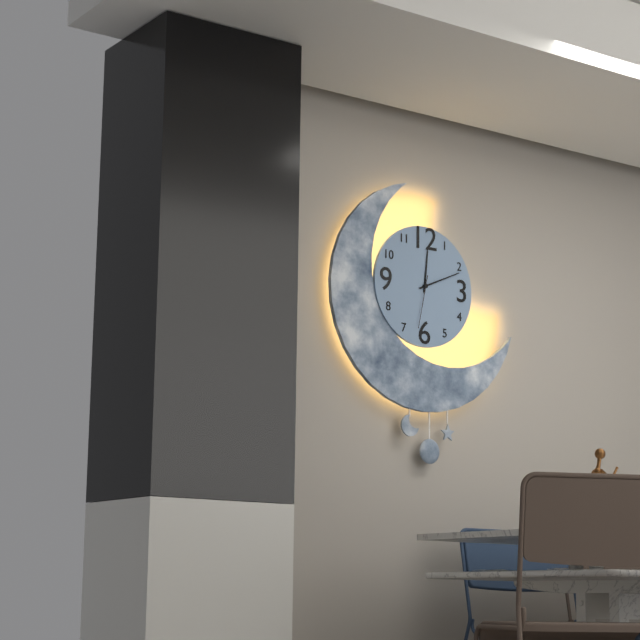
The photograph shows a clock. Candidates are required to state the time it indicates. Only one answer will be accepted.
12:11
